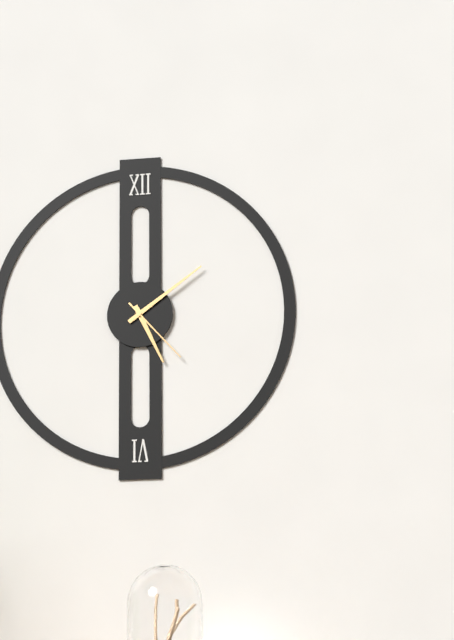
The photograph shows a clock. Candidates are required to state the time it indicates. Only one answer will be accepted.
5:09:23
